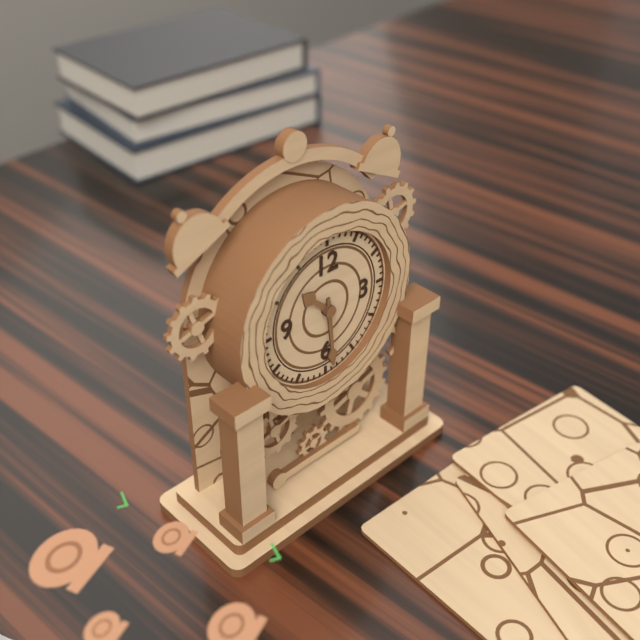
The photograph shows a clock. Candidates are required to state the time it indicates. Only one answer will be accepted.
10:29
